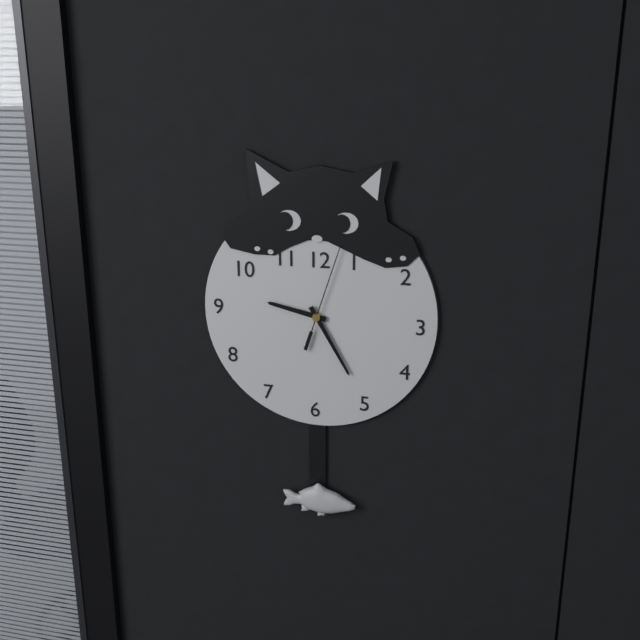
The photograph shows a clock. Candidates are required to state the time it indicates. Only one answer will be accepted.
9:25:03
